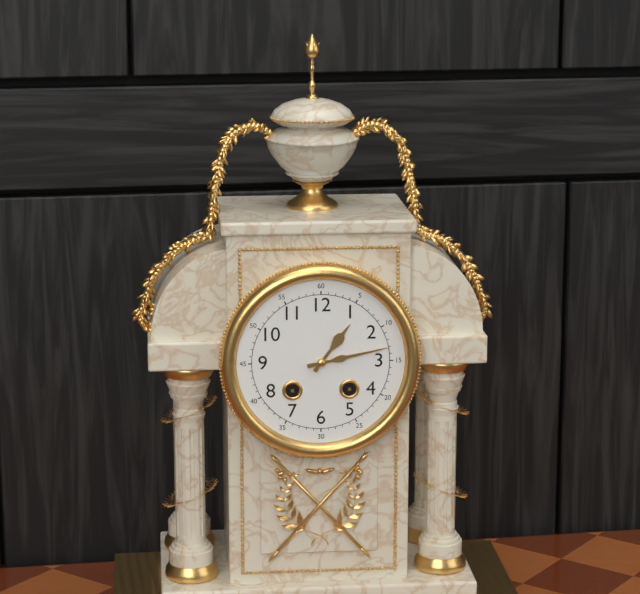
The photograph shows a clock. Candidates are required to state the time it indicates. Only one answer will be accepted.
1:13
